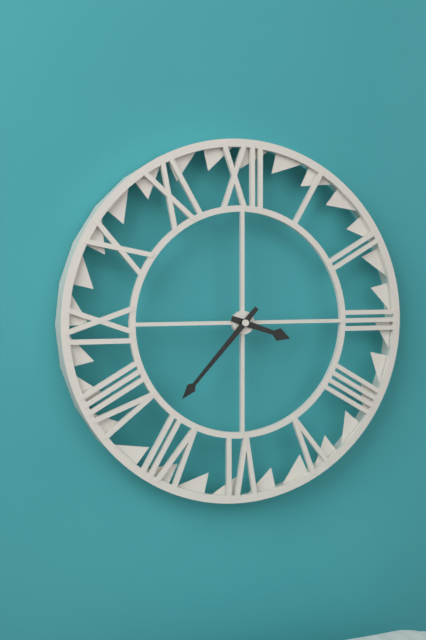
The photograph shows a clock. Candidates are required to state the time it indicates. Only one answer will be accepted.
3:37
